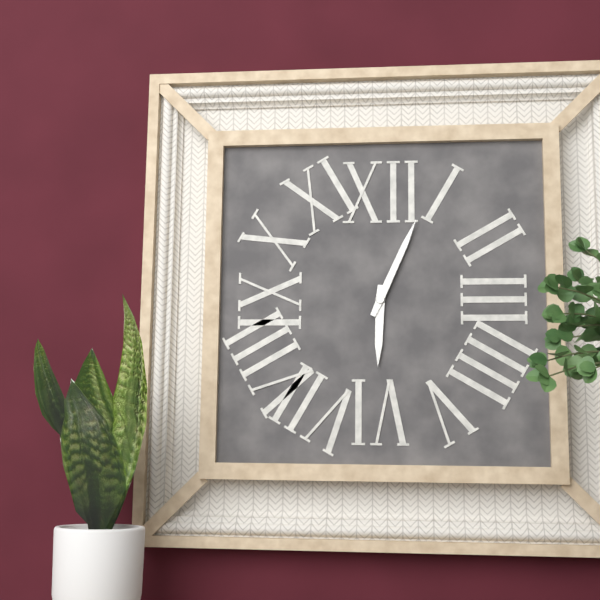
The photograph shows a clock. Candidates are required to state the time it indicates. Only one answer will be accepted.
6:04
